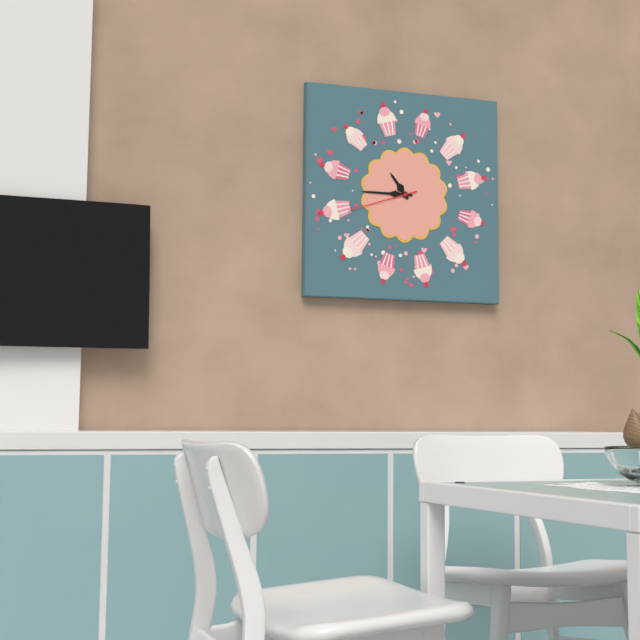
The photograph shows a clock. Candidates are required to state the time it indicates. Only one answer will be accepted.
10:45:42
